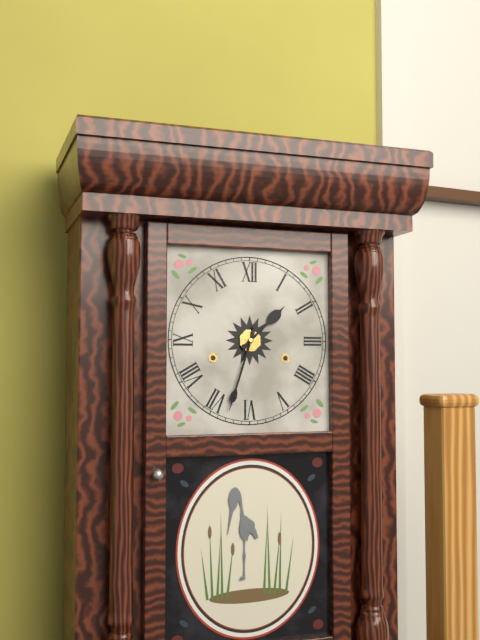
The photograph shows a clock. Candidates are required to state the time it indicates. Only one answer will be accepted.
1:33
